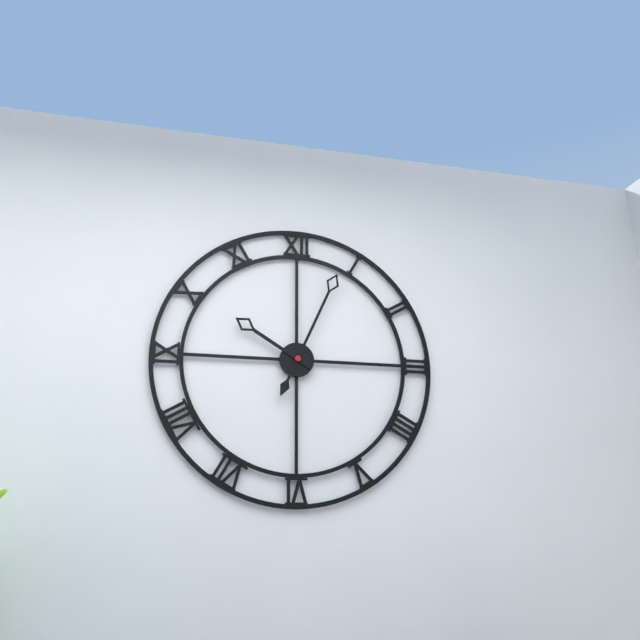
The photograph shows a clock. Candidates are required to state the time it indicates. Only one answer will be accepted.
10:04
